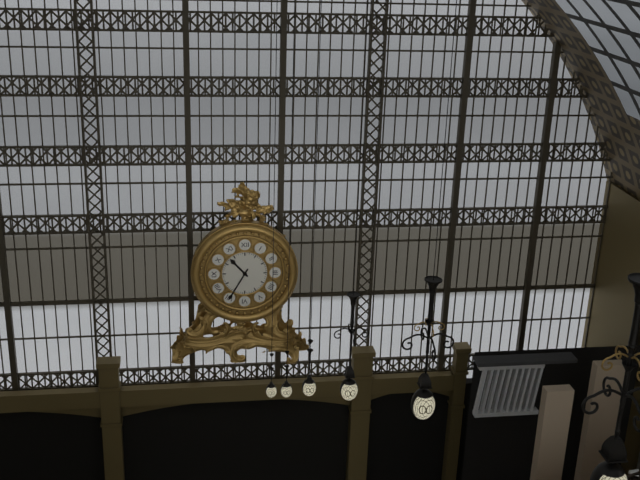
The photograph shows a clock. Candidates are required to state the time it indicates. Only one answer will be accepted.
10:35
